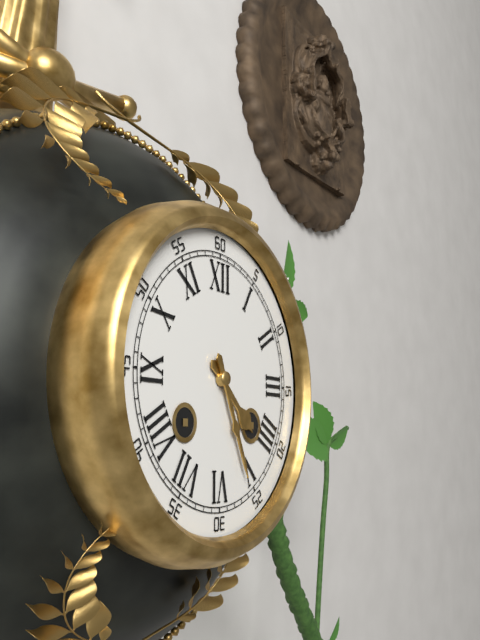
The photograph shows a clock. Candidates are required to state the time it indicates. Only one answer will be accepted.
4:26
